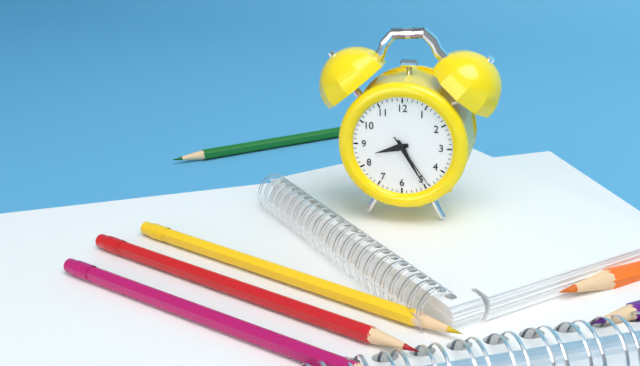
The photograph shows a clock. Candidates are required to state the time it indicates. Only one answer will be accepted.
8:25:24
